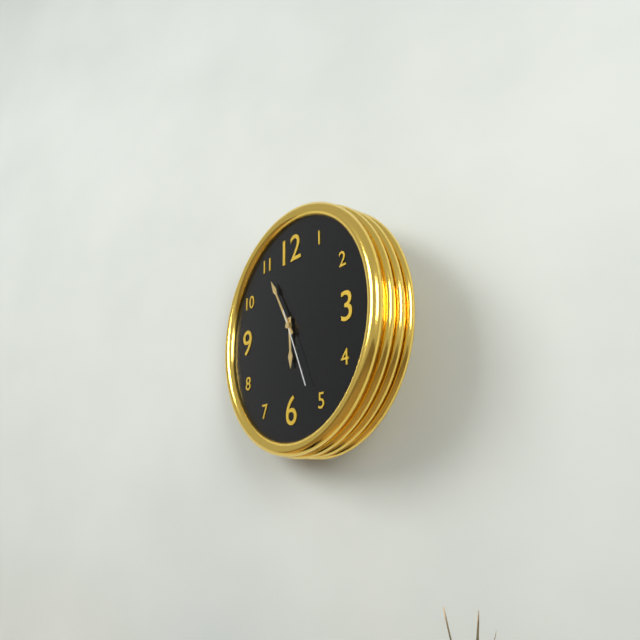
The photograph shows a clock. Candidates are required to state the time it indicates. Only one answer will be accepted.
5:55:26
